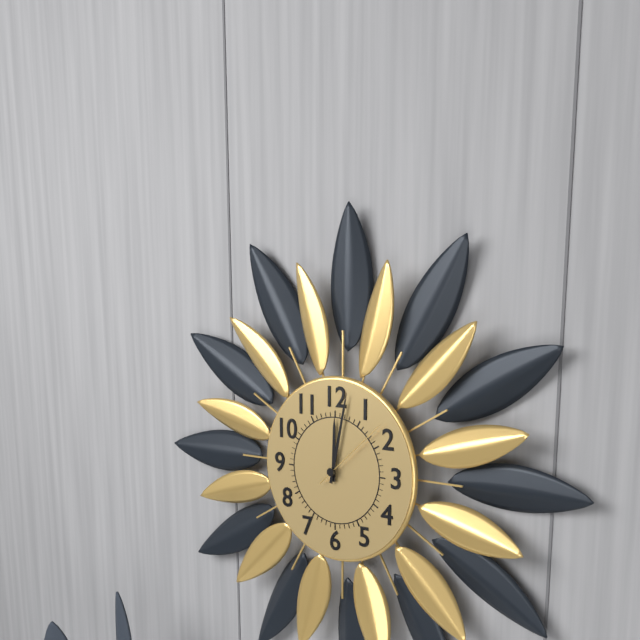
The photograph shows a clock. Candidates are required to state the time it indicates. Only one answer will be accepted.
12:02:08
